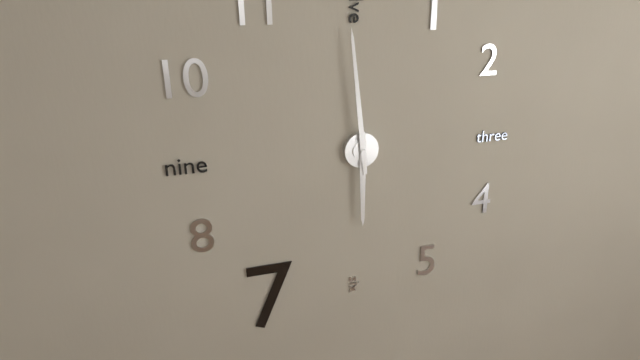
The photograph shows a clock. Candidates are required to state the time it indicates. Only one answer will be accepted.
5:59
